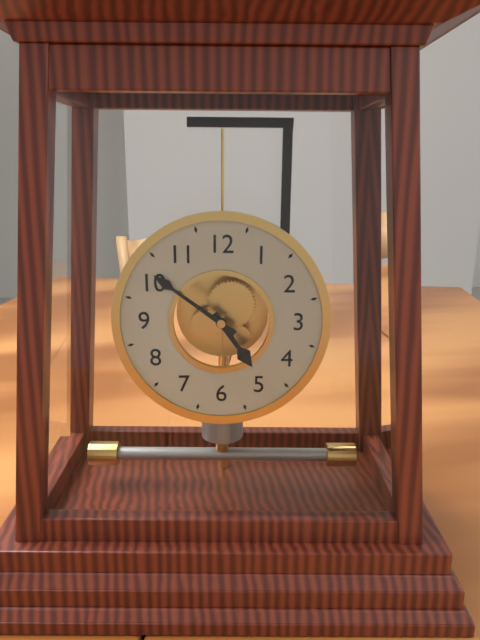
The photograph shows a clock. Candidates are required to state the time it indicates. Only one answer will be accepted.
4:51
